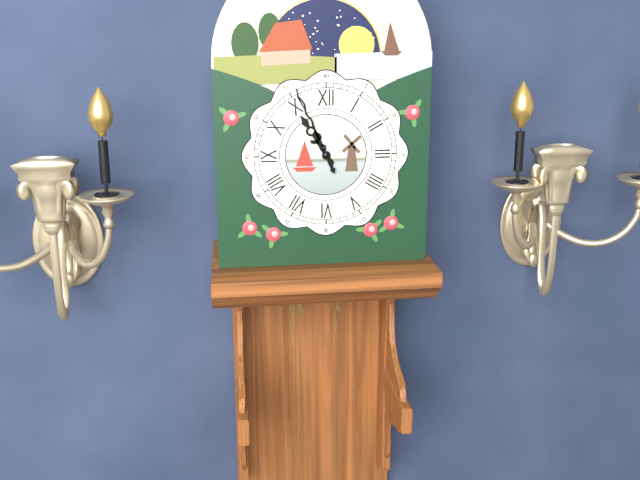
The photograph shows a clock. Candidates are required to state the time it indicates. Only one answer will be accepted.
10:56
